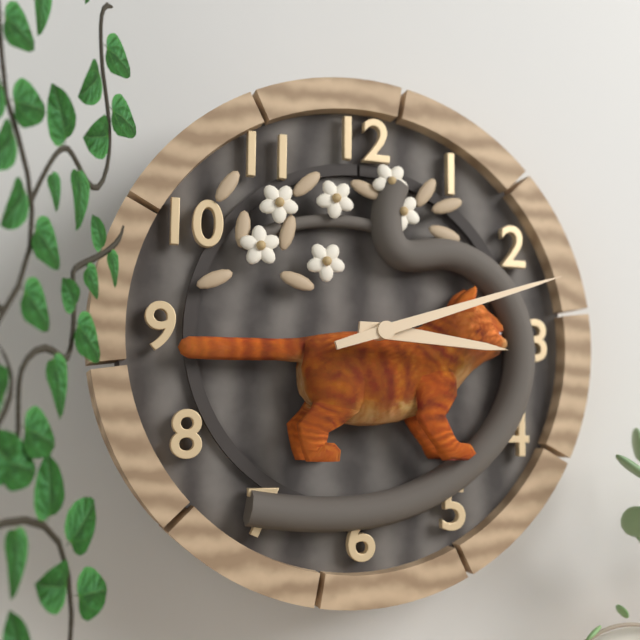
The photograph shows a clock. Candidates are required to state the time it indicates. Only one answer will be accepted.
3:12
